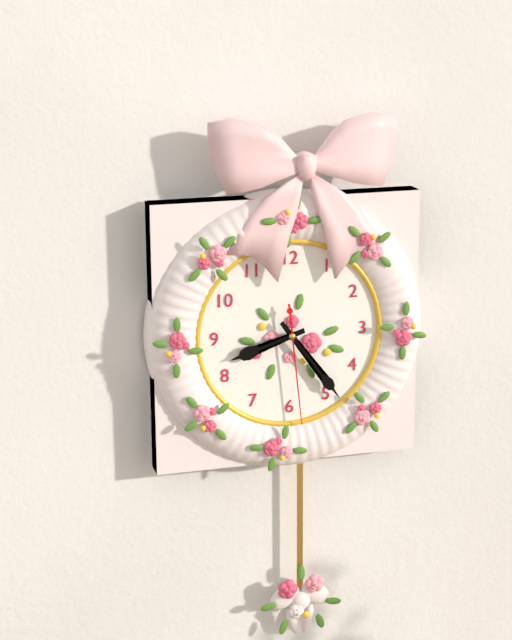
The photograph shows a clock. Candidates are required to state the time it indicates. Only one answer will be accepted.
8:24:29
